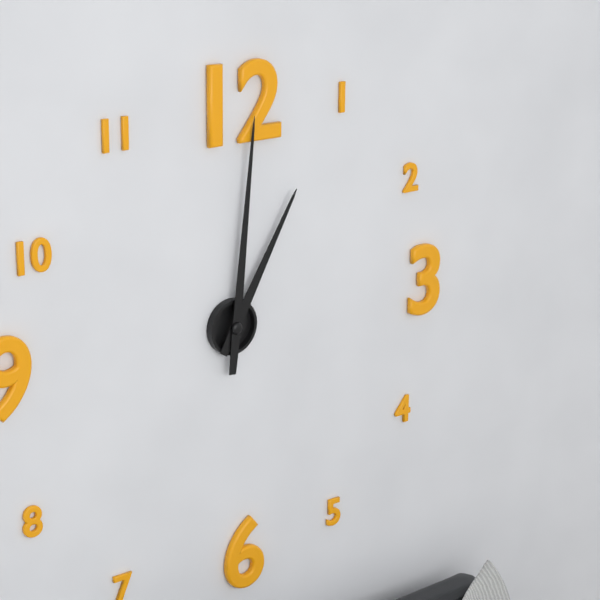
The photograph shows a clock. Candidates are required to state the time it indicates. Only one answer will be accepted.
1:01
